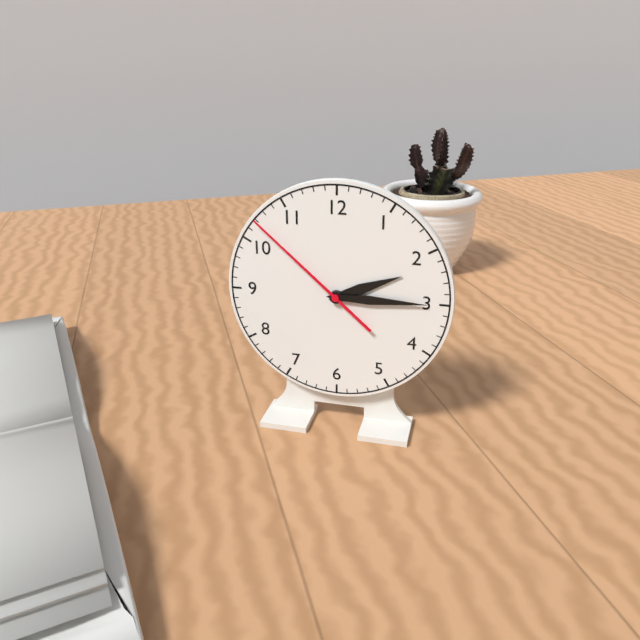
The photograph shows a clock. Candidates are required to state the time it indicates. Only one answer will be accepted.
2:15:52
